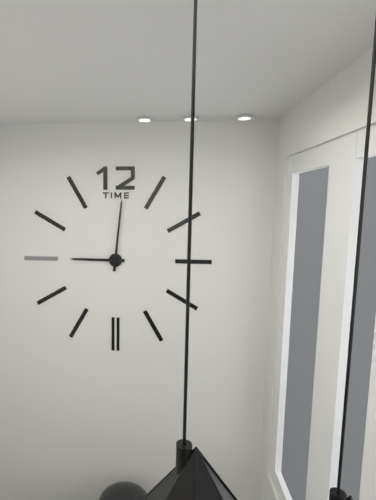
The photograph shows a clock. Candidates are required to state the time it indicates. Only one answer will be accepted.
9:01
